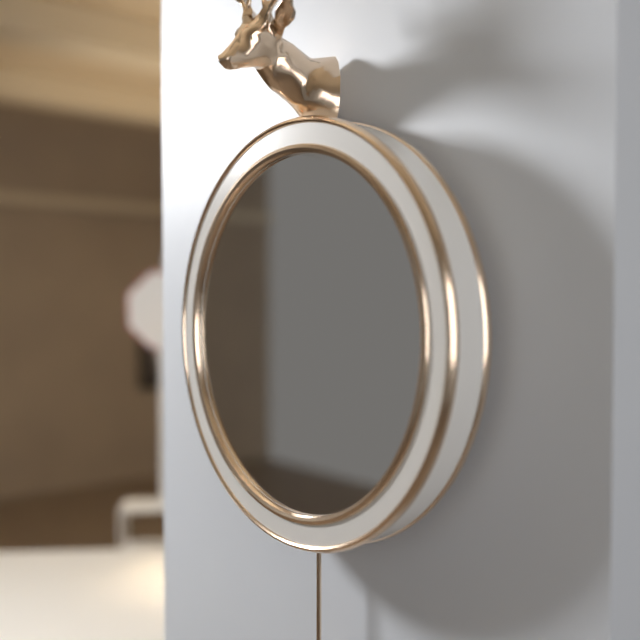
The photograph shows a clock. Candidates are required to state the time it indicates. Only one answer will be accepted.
3:52
